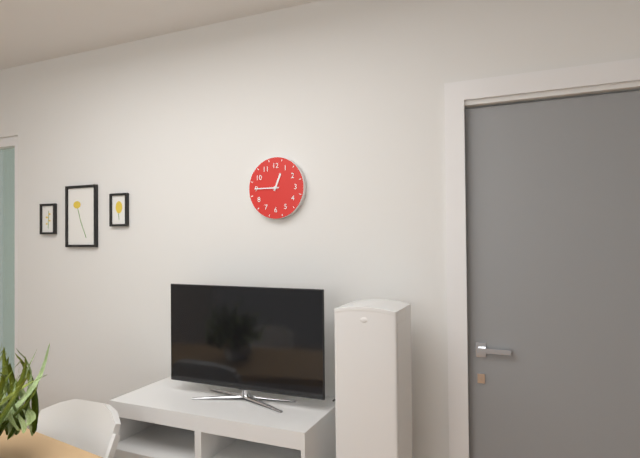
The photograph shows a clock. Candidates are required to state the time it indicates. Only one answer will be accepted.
12:45
